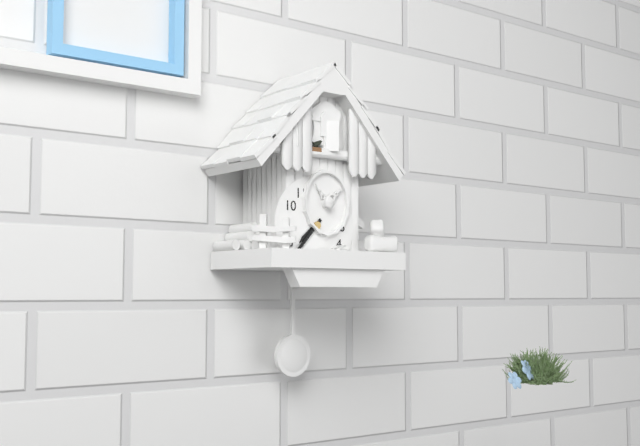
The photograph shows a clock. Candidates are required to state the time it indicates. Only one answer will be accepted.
7:37
